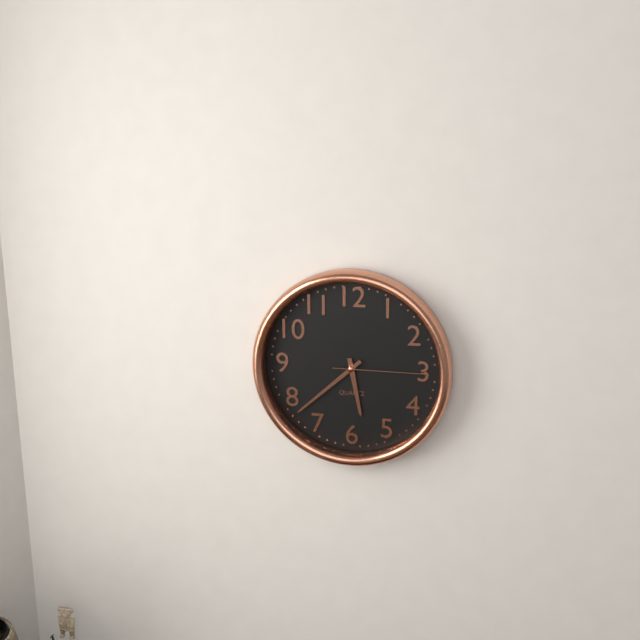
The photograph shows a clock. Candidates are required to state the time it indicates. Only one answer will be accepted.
5:38:15
